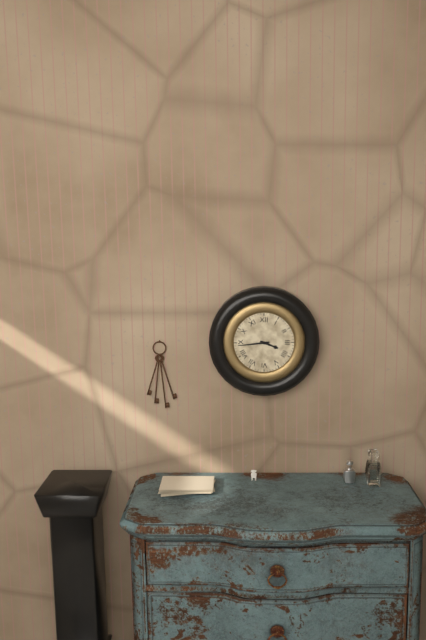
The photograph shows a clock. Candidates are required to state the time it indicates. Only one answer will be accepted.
3:44
